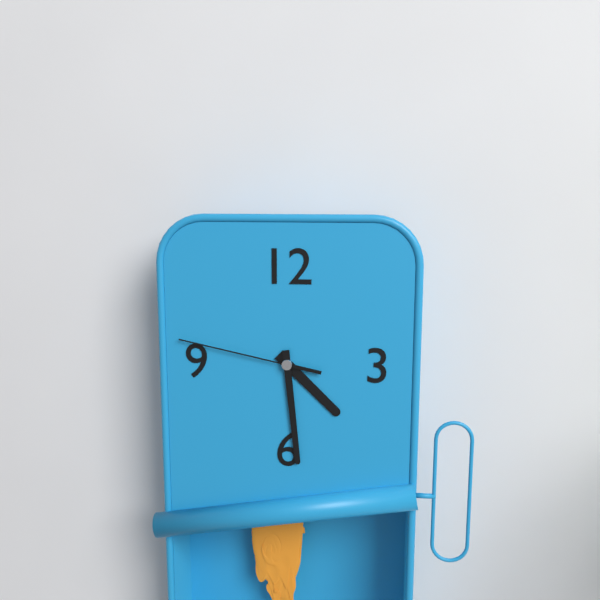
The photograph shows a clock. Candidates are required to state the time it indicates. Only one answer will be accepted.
4:29:47
